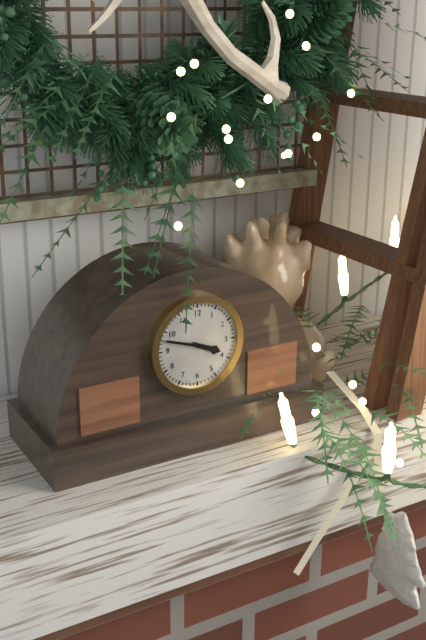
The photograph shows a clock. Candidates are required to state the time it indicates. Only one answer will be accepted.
3:48
